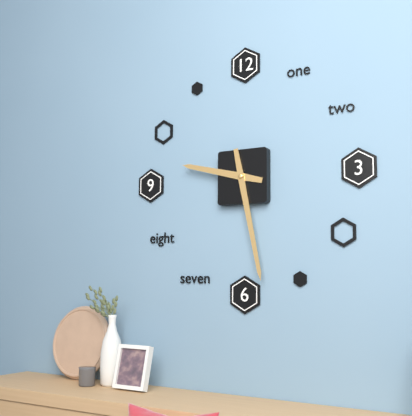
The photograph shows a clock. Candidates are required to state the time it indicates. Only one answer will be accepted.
9:28
